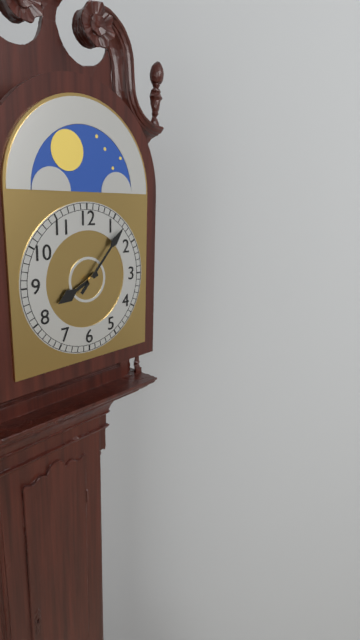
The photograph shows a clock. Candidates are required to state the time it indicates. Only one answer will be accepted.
8:07
